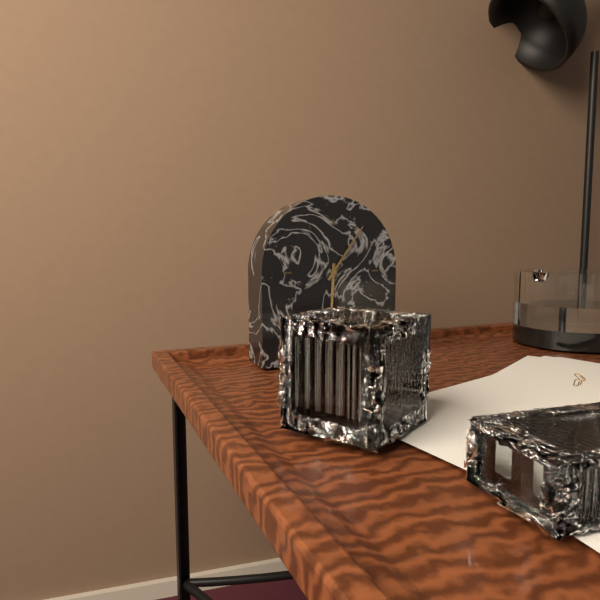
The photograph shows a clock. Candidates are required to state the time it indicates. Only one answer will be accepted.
6:06
